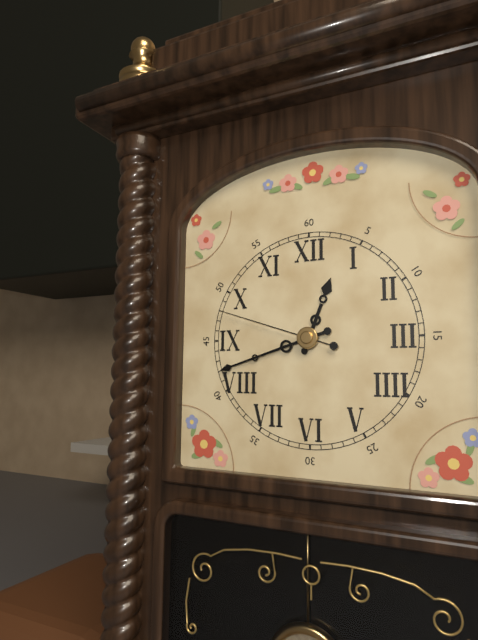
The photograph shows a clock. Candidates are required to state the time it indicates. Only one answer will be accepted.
12:42:48
